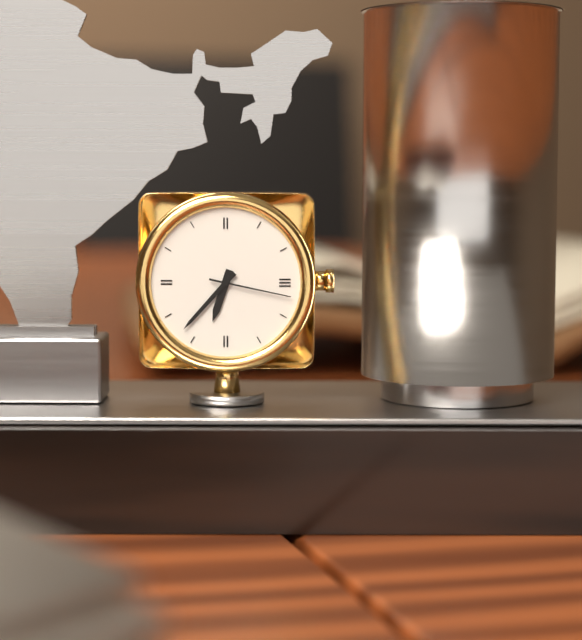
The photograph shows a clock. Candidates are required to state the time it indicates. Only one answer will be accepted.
6:37:17
